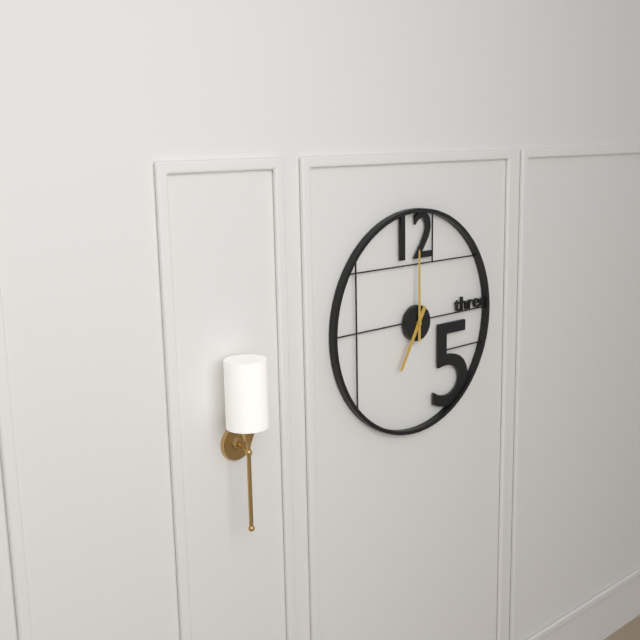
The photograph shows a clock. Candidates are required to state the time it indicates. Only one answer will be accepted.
7:00
